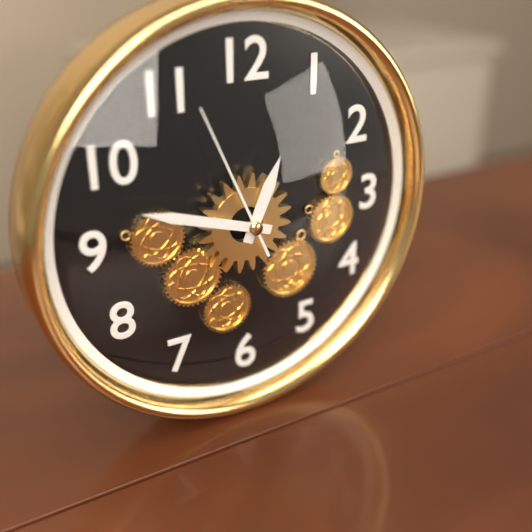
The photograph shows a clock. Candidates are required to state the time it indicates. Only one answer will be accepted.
12:48:56
